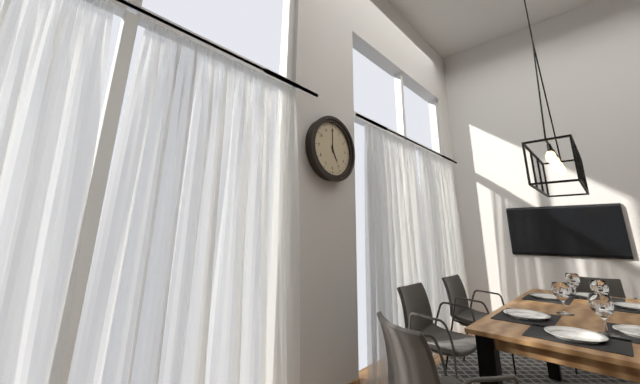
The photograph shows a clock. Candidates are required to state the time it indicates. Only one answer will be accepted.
5:00
